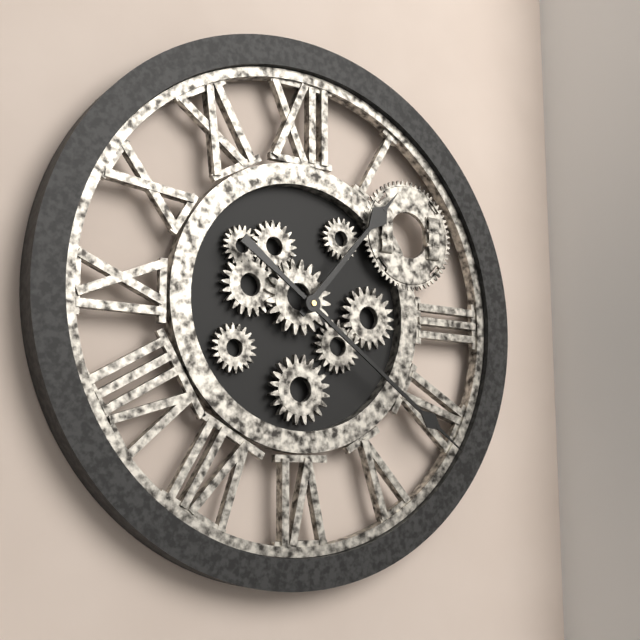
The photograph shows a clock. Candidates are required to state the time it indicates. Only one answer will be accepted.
1:21
